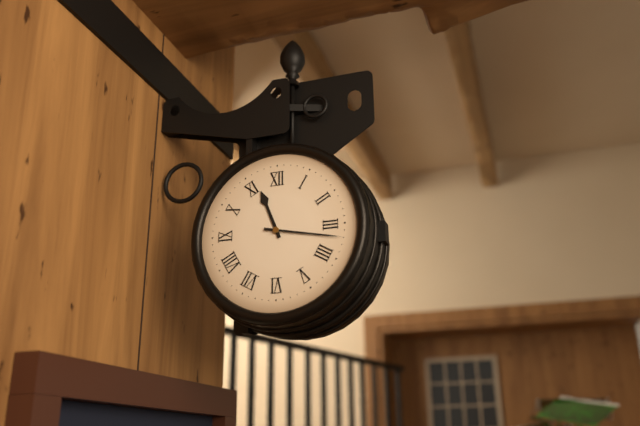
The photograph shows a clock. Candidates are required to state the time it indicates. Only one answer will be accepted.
11:17
